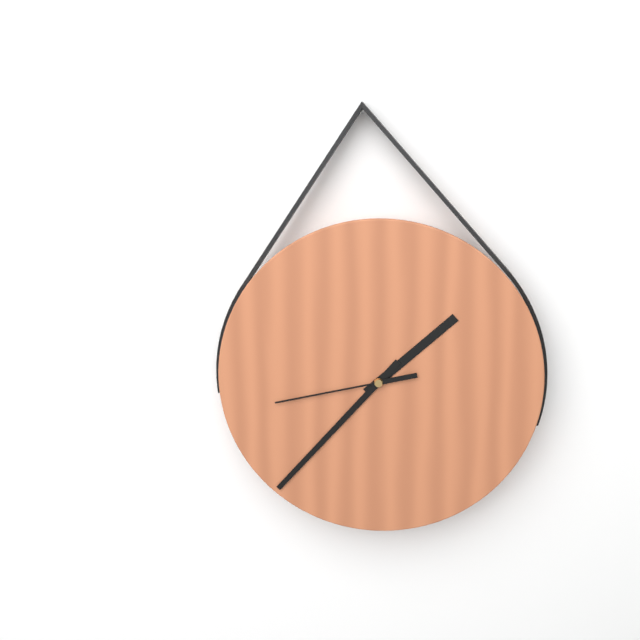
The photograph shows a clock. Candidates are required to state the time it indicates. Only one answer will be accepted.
1:37:43
